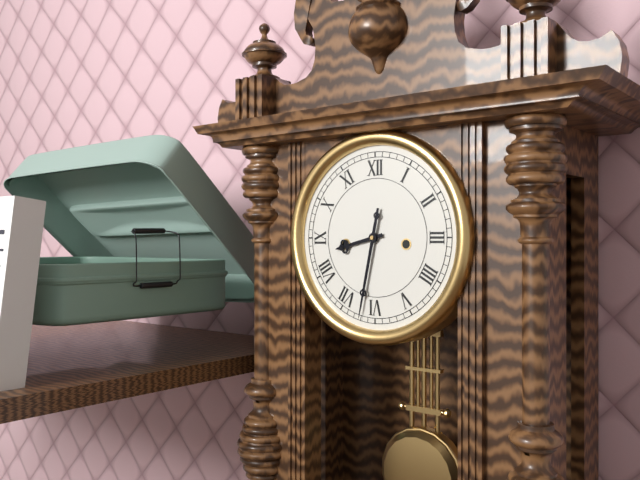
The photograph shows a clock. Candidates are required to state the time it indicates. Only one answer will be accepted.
8:32
